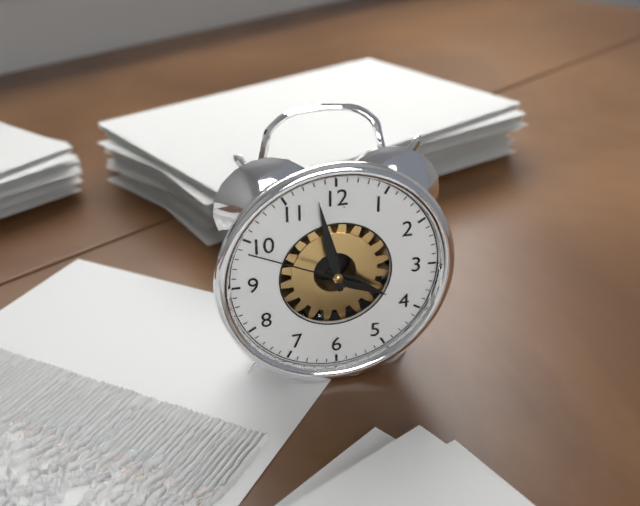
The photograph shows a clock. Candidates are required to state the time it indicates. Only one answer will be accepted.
3:58:49
